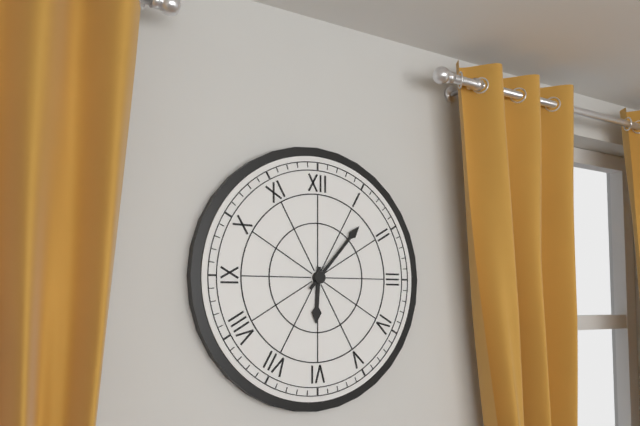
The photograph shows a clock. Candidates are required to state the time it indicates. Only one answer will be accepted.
6:07
